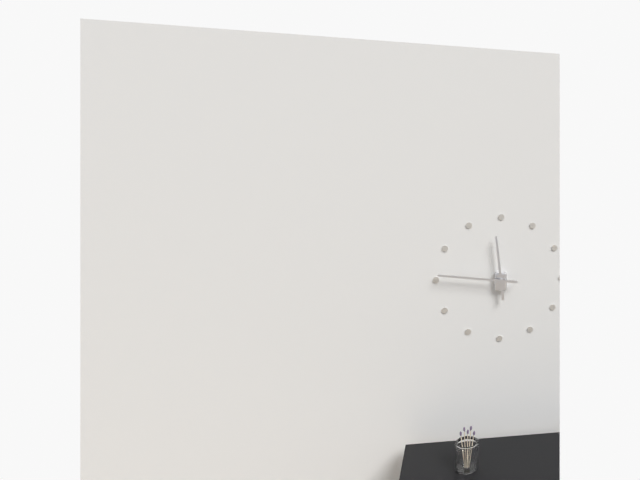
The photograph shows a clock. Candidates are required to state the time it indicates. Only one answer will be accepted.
11:46
